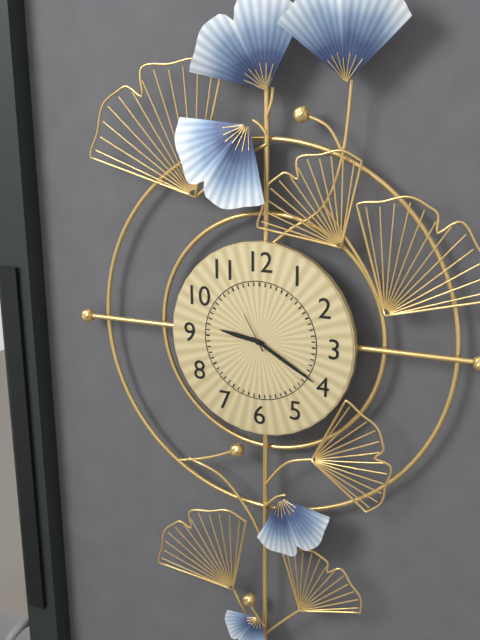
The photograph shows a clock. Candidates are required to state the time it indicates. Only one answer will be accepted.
9:20
